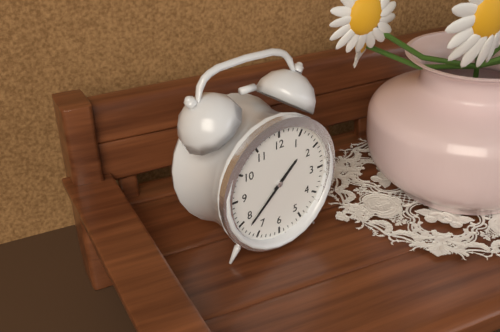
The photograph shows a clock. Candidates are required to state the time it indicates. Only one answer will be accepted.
1:38
